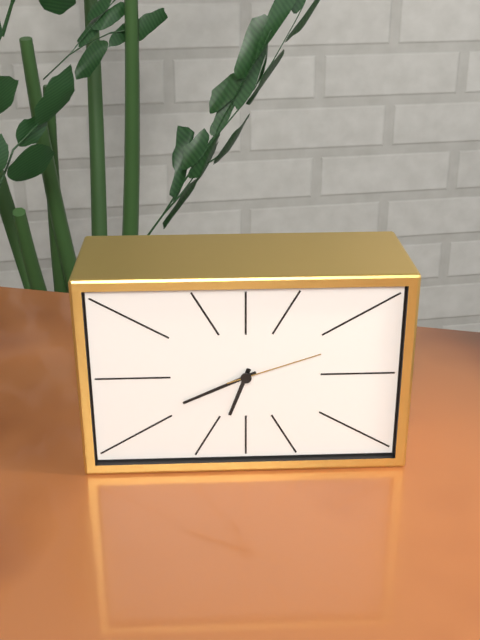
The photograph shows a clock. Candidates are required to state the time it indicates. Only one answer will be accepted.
6:41:12
